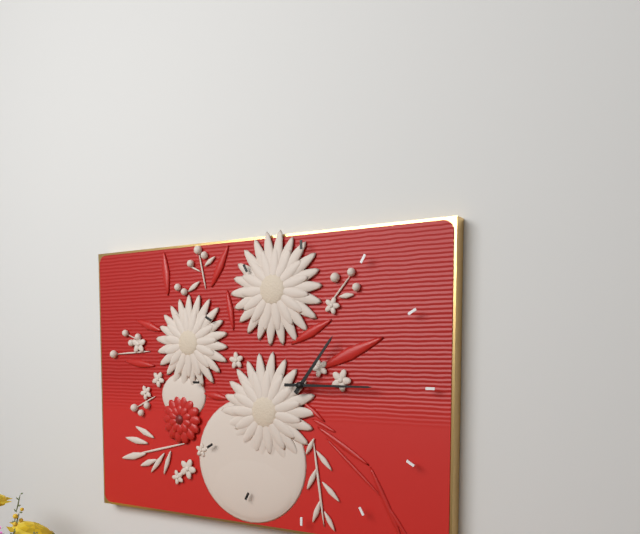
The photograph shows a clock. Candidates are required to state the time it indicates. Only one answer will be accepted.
1:15
